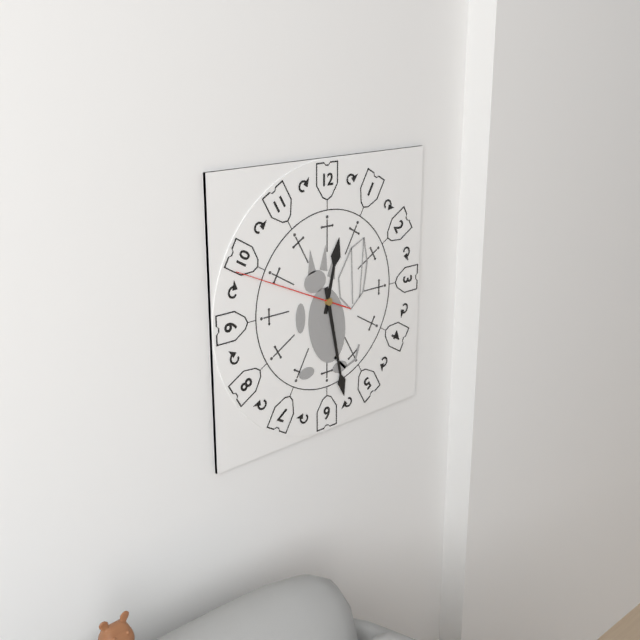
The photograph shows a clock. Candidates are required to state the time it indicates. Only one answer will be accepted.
12:28:49
